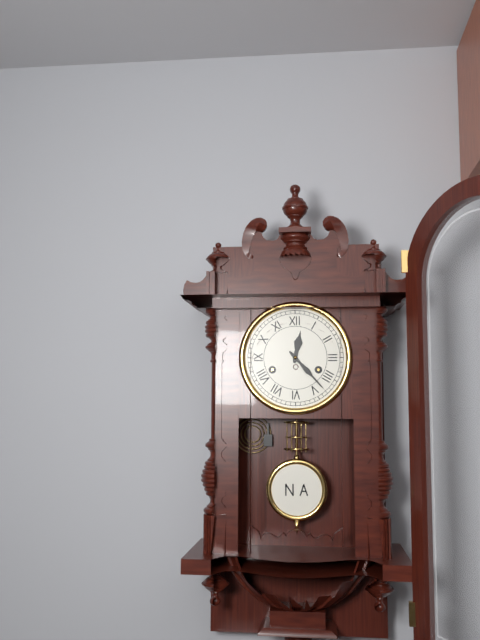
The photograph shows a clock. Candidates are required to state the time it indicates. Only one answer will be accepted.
12:23
